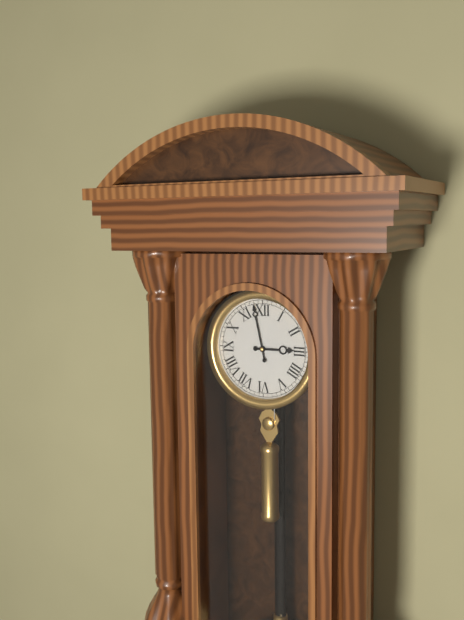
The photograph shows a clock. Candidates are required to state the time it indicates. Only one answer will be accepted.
2:58
